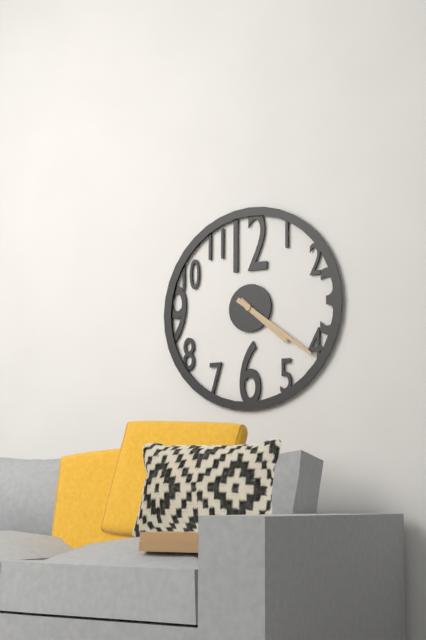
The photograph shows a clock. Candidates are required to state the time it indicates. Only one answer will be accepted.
4:21
